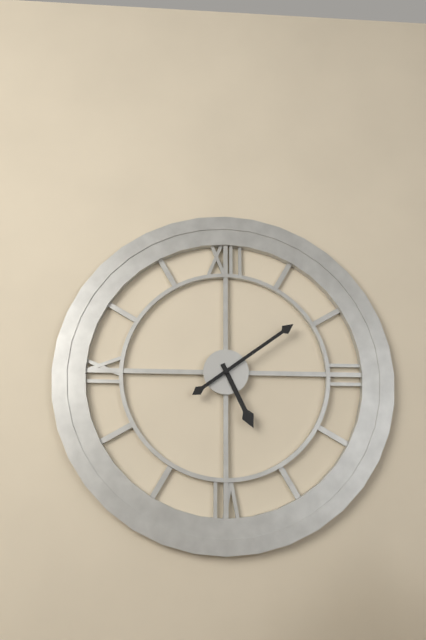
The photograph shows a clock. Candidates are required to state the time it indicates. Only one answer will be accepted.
5:09
